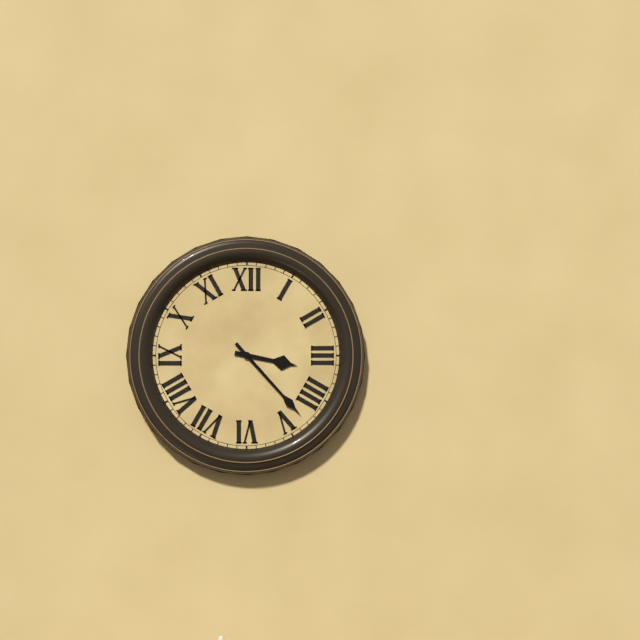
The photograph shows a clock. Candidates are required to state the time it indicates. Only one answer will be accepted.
3:23
